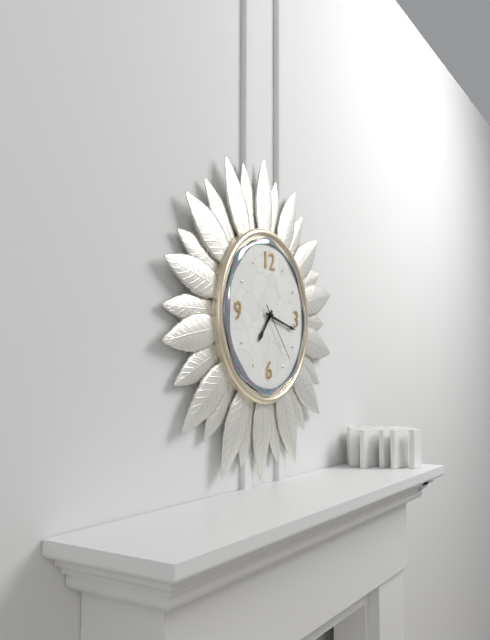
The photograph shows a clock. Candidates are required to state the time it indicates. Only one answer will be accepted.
7:17:23
